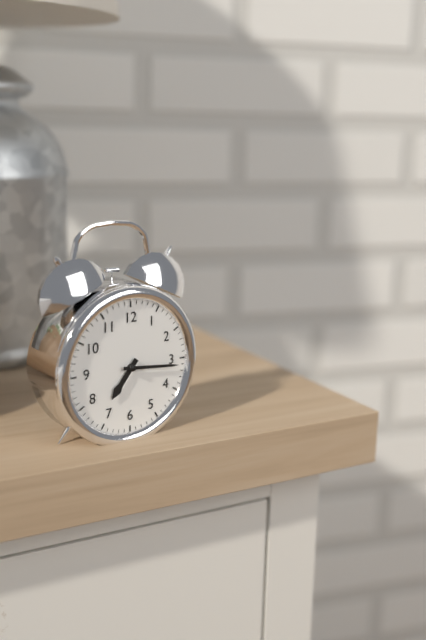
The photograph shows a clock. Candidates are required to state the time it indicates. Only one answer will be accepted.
7:16
